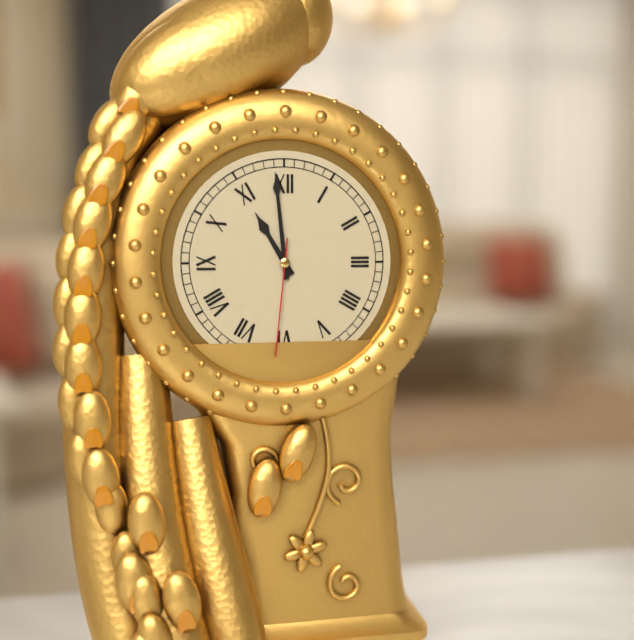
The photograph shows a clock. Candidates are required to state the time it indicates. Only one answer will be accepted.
10:59:31
